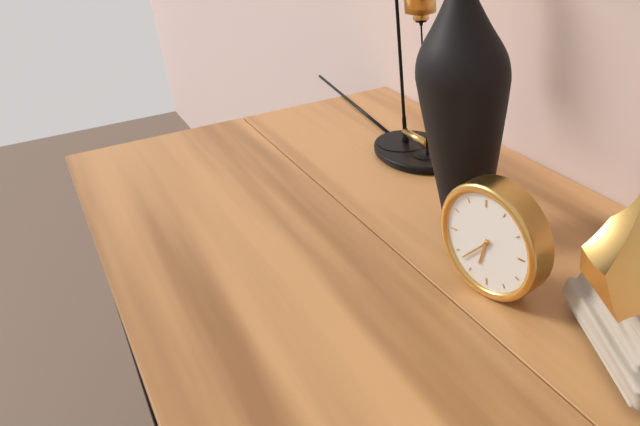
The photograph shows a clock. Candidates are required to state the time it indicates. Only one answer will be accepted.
6:38
